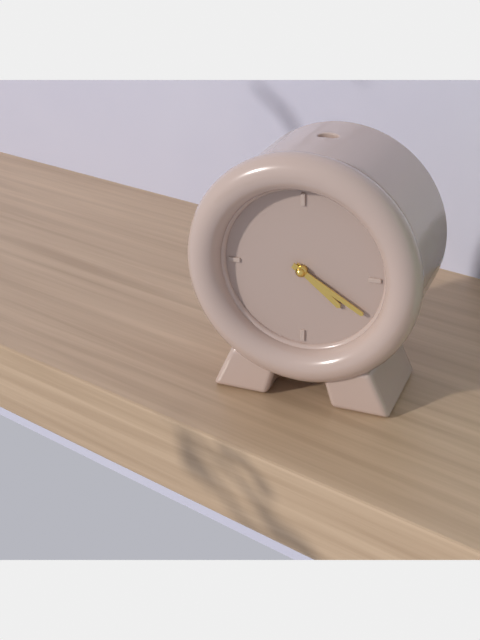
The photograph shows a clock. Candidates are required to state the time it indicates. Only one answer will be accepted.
4:20
